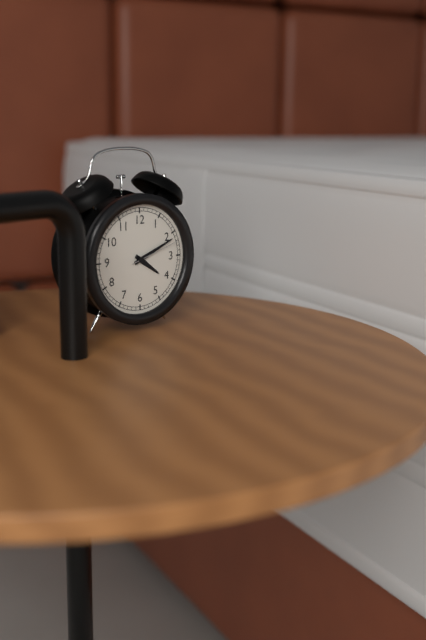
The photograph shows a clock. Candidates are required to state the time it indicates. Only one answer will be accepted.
4:11:12
